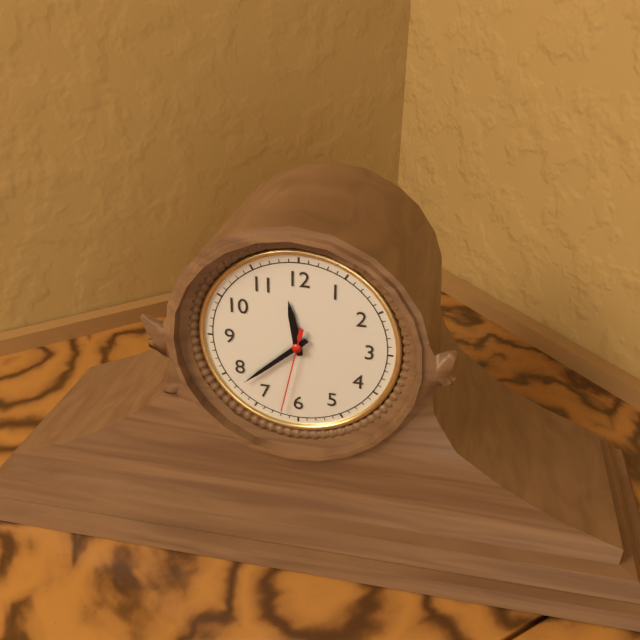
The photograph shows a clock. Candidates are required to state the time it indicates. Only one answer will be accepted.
11:38:32
